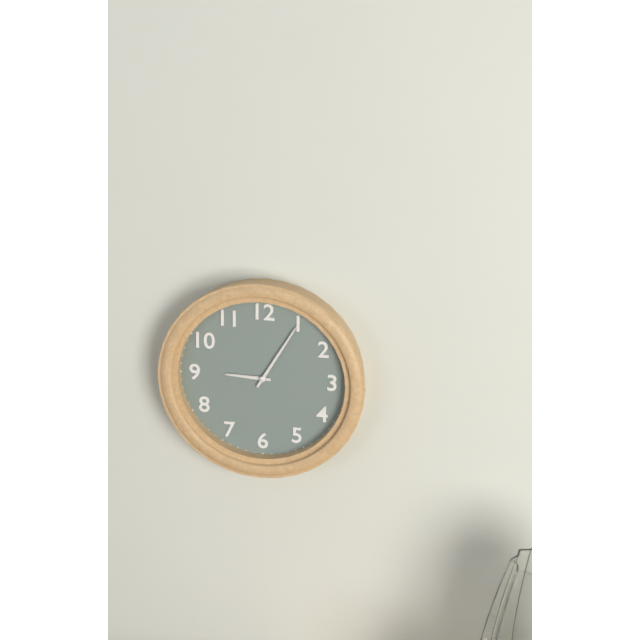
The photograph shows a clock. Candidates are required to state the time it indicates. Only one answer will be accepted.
9:05
